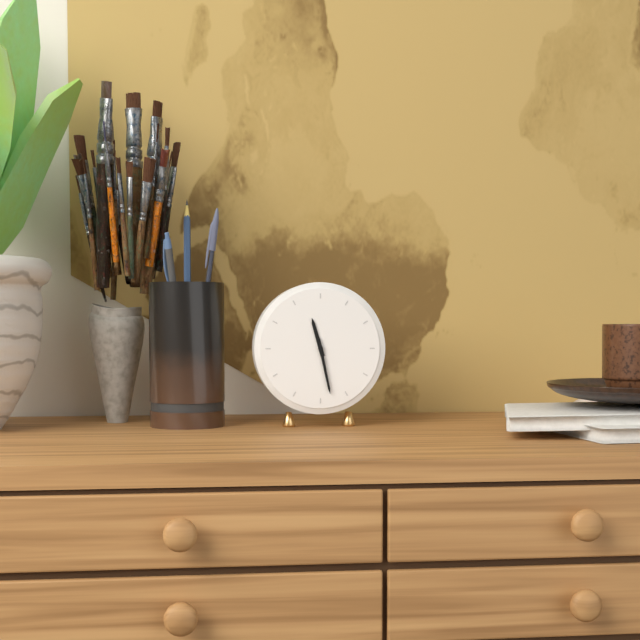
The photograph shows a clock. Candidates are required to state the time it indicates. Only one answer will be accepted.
11:28
